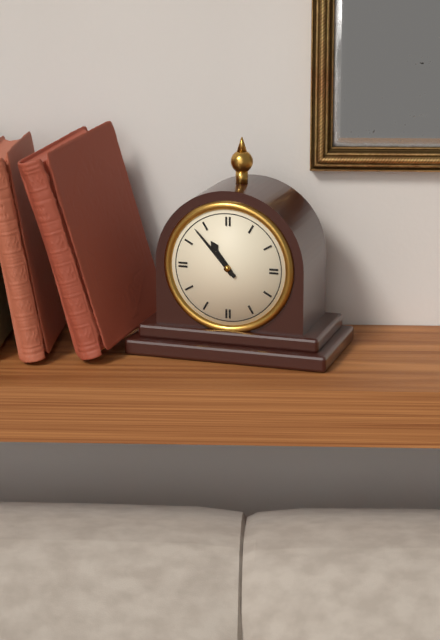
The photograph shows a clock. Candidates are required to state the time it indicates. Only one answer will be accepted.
10:53
